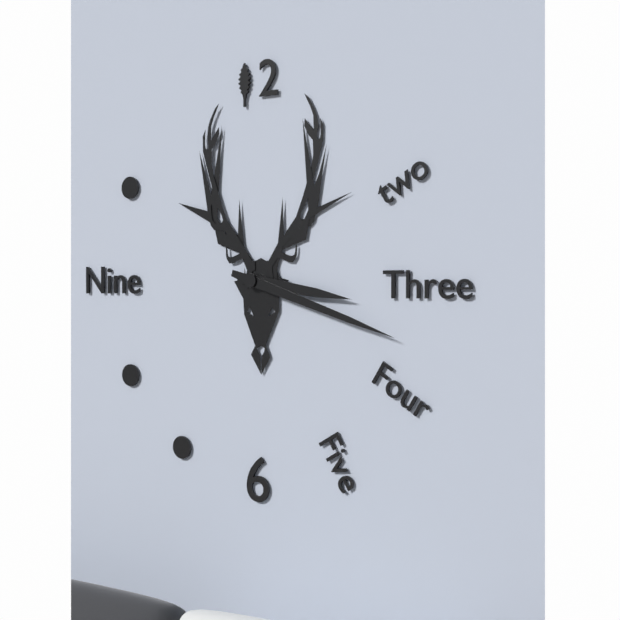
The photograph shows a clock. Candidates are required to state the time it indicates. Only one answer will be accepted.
3:18
